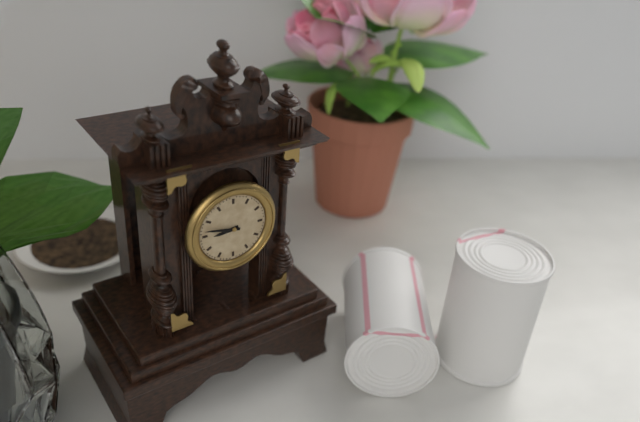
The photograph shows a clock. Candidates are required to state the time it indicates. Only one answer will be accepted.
8:47
